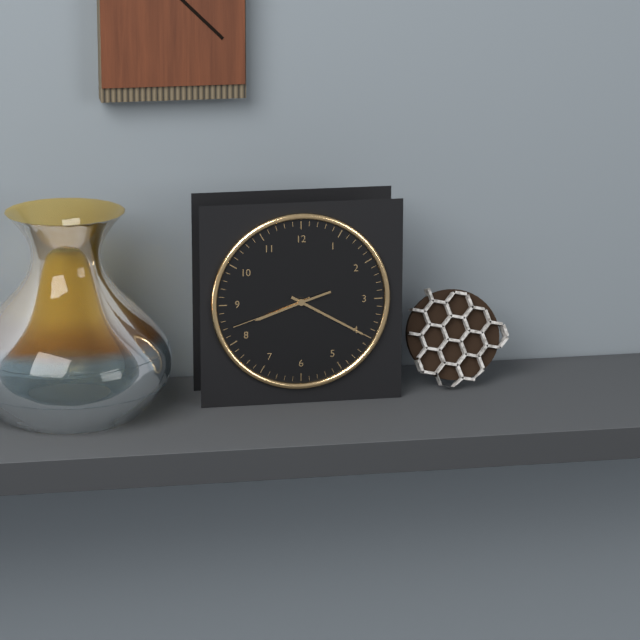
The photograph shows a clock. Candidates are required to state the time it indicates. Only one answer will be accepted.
8:20:42
